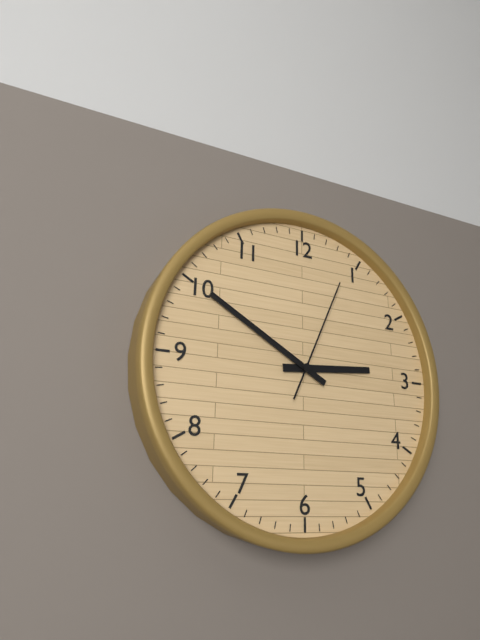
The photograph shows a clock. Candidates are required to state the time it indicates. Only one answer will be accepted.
2:50:04
